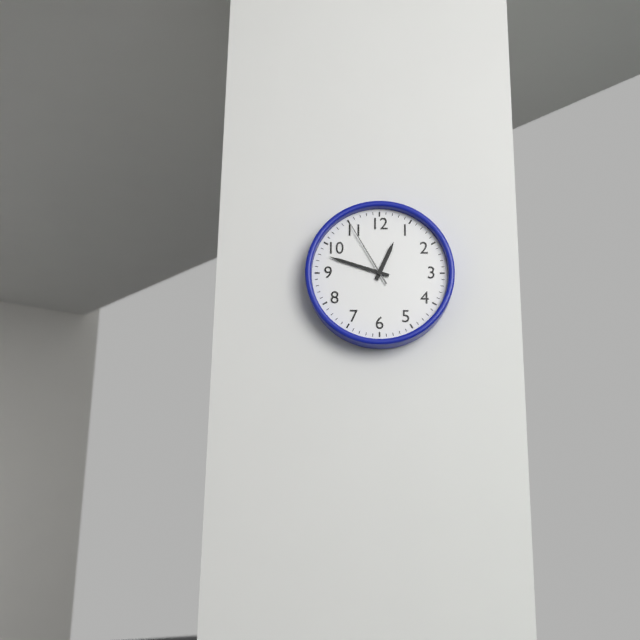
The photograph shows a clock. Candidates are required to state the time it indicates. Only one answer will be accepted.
12:48:55
